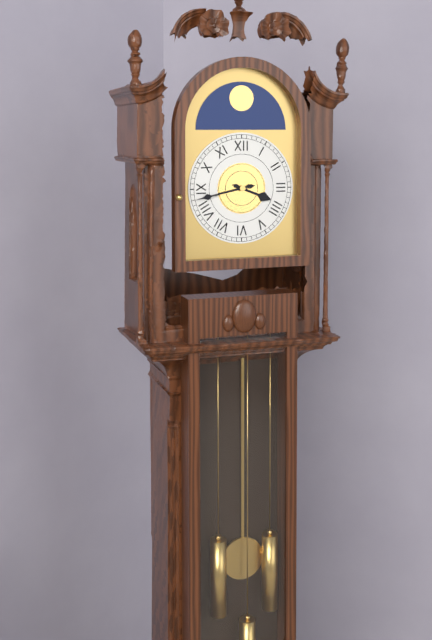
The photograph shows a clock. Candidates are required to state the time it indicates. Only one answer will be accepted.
3:43
